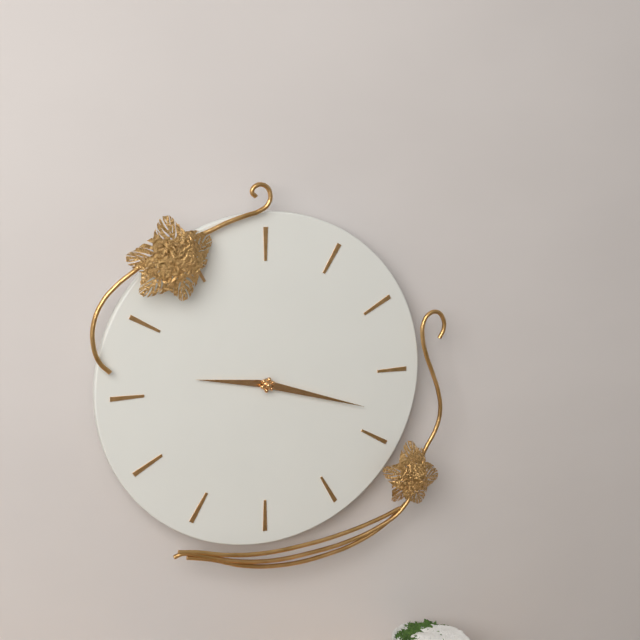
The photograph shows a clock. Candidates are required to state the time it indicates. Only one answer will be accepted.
9:18
